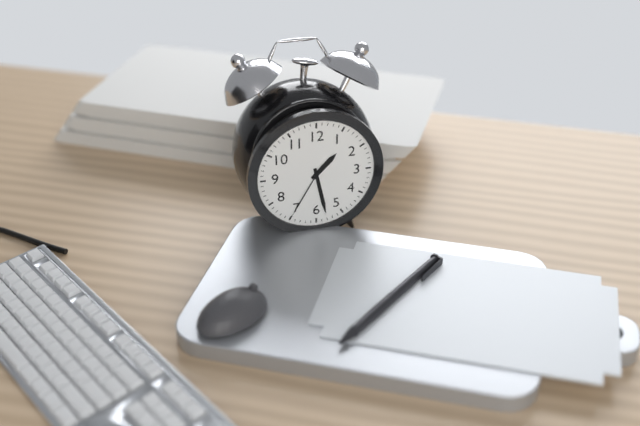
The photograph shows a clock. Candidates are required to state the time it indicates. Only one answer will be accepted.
1:28:35
